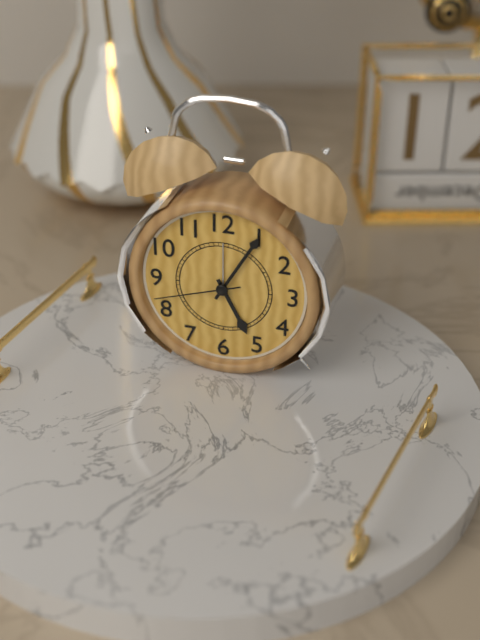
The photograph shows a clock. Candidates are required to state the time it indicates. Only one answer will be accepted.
5:05:42
